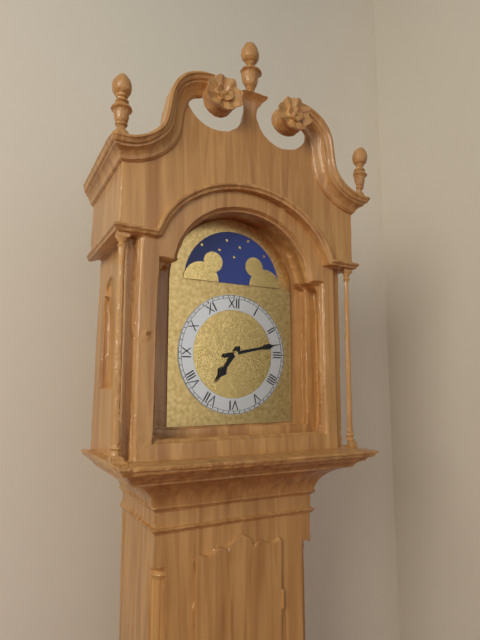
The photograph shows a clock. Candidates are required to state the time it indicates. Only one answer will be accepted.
7:13
